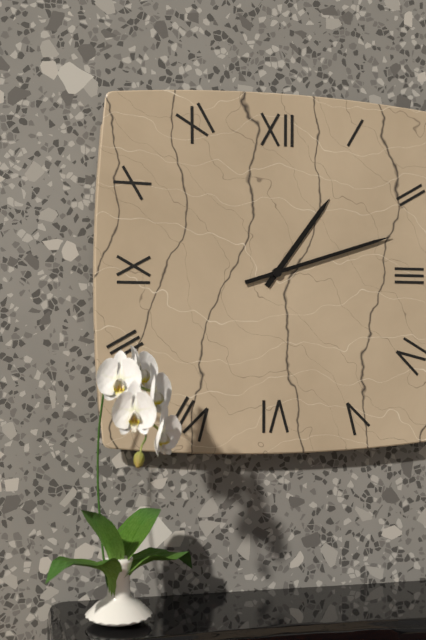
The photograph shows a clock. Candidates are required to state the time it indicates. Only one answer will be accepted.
1:12
